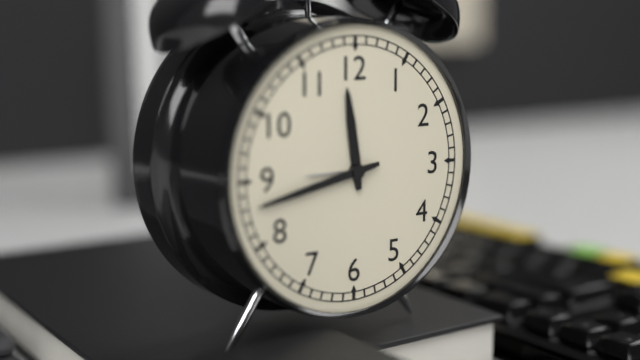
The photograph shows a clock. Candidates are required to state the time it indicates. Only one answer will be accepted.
11:43
